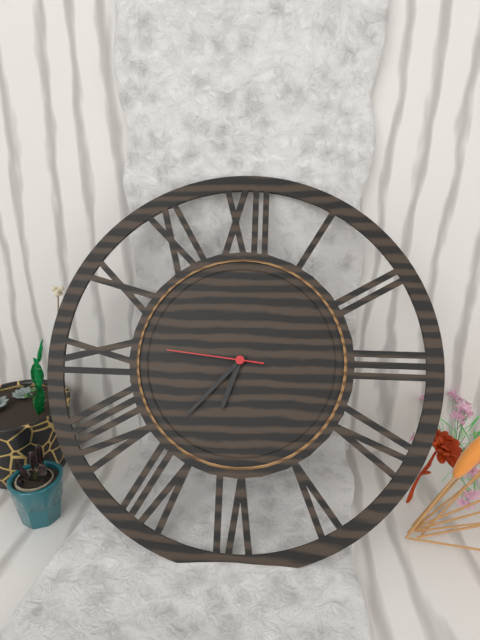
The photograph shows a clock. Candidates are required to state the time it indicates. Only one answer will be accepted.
6:37:46
